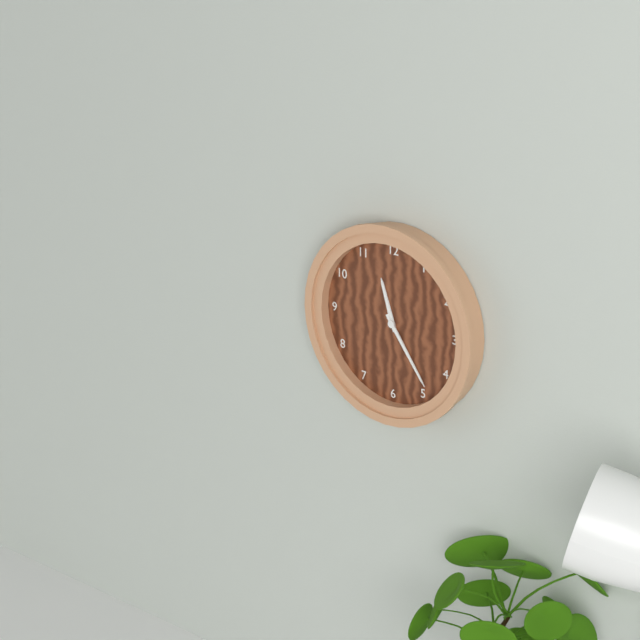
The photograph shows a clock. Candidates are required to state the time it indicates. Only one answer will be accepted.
11:24
